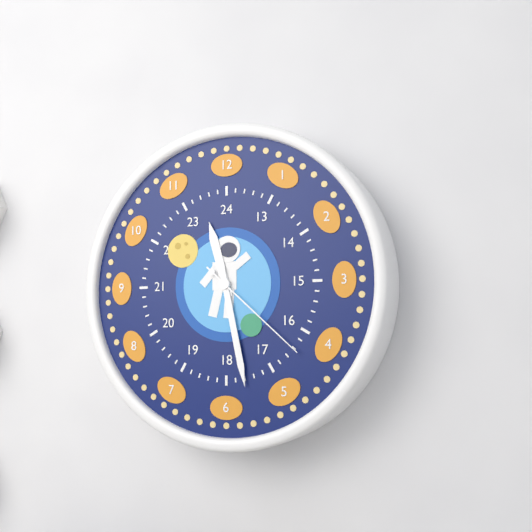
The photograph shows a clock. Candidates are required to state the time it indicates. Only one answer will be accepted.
11:28:22
